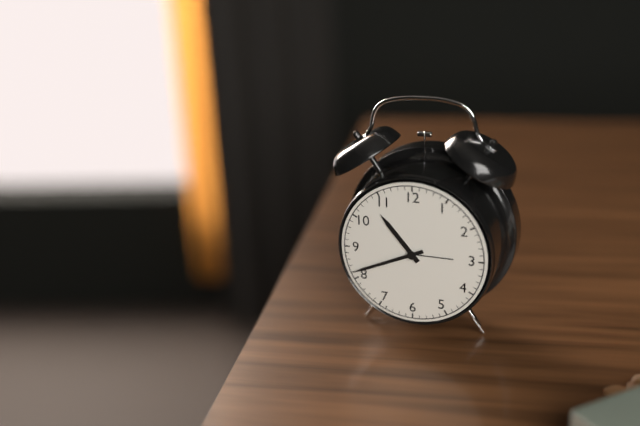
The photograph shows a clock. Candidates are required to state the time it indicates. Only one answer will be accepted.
10:41
